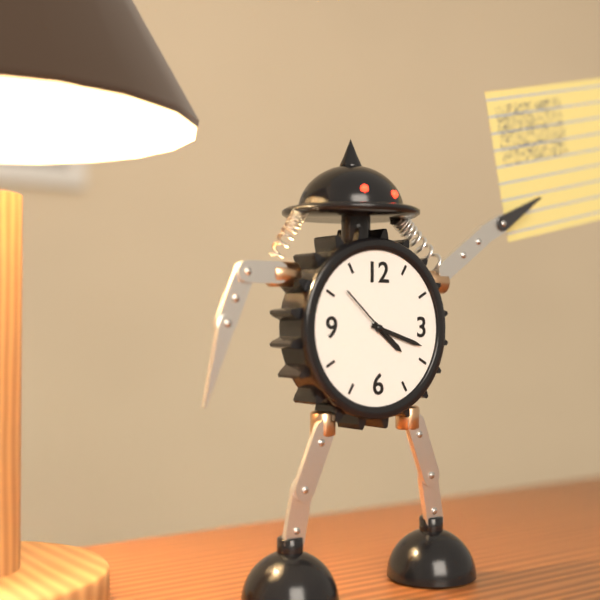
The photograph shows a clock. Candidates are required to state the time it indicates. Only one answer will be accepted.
4:18:52
